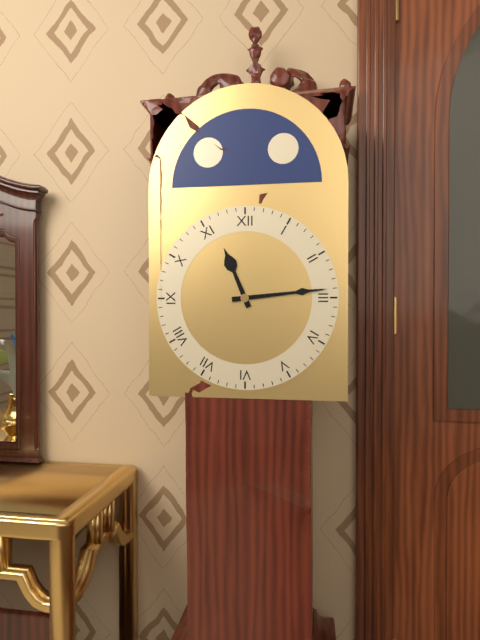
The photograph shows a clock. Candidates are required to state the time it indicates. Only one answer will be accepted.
11:14
